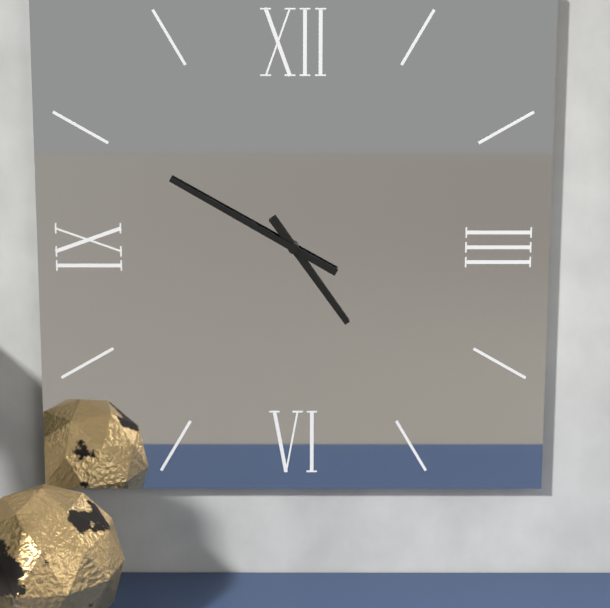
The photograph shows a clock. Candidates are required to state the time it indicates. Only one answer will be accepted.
4:50
